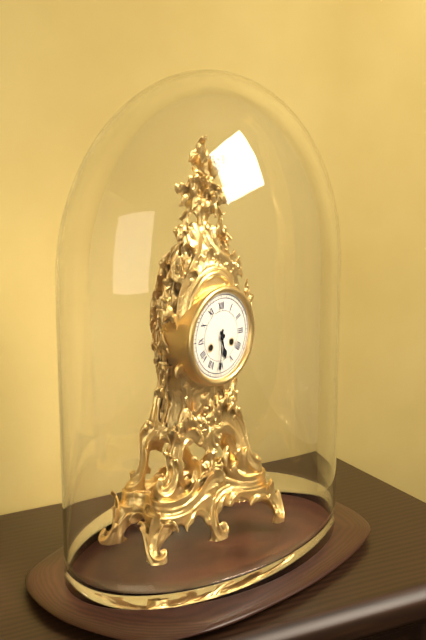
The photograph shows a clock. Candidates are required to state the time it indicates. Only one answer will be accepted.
5:31
